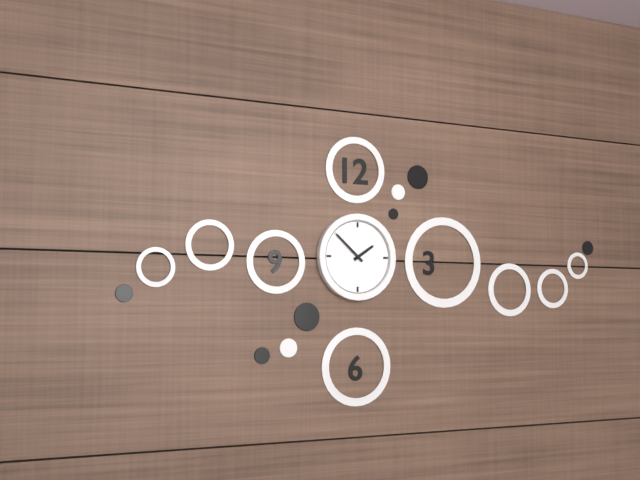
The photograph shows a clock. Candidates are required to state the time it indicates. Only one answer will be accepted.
1:52
